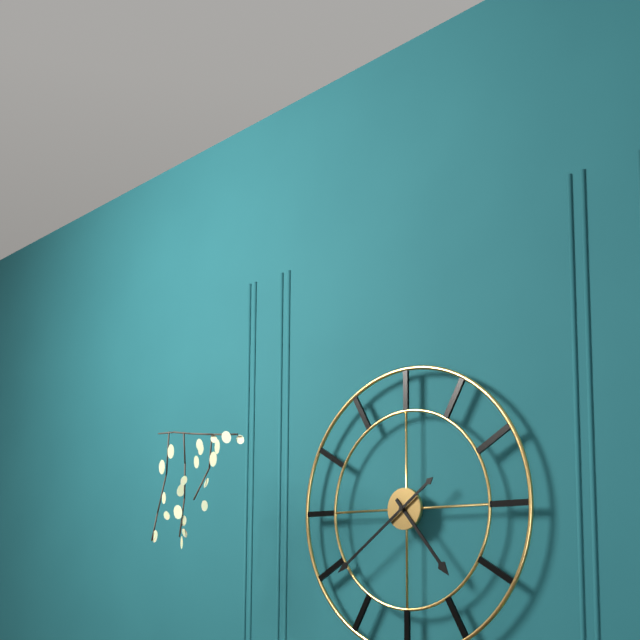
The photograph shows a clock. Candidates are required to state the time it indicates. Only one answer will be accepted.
4:39
